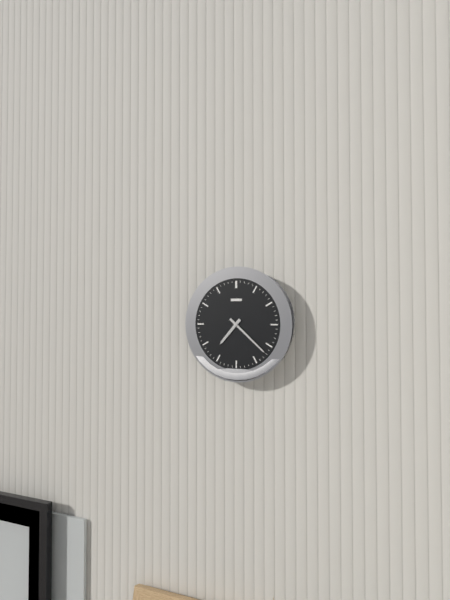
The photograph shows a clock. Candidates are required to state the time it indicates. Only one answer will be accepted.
7:22
